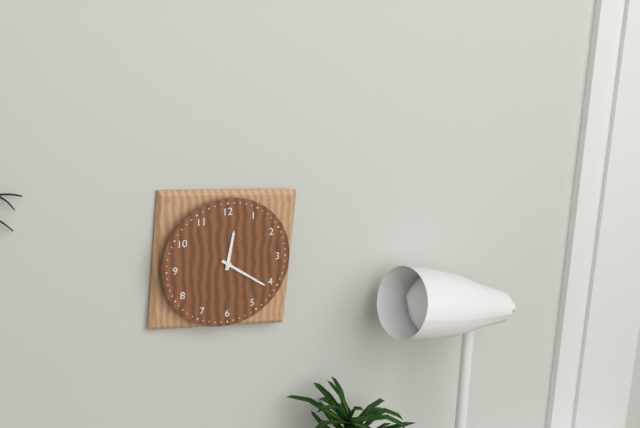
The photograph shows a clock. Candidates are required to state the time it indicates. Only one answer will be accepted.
12:21
